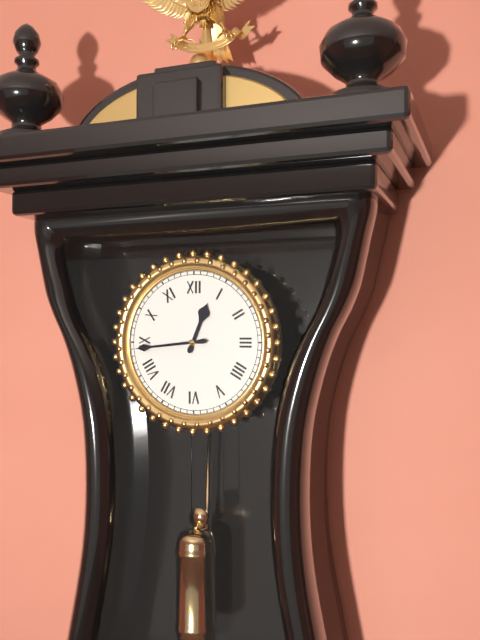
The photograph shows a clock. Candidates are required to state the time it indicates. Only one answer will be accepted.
12:44
